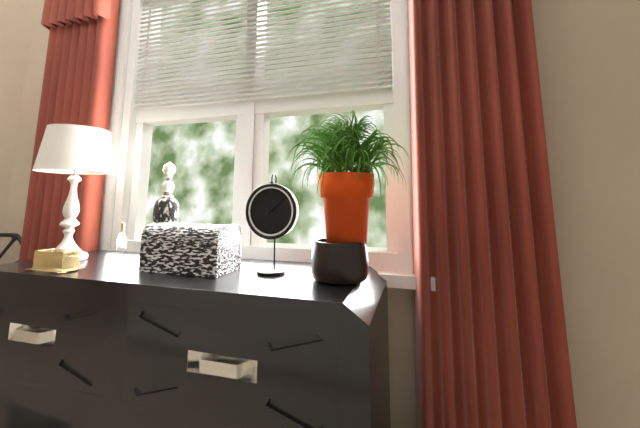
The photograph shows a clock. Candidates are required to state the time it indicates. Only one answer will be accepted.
10:08
